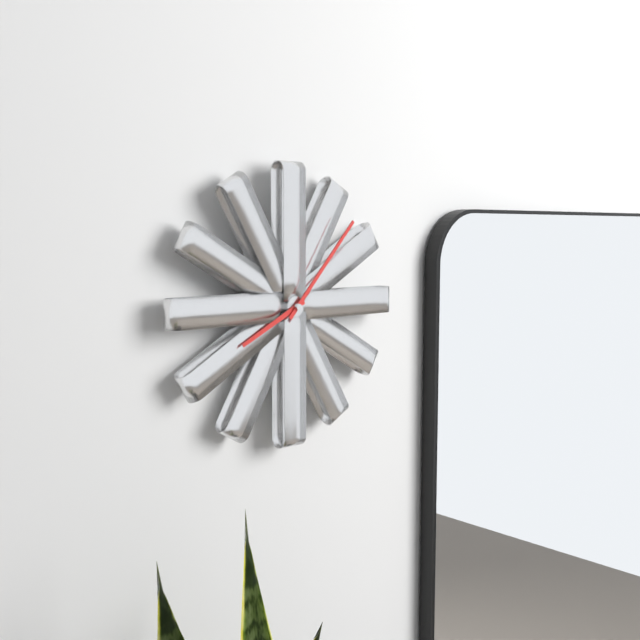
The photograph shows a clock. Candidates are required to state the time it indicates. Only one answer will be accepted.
8:07
